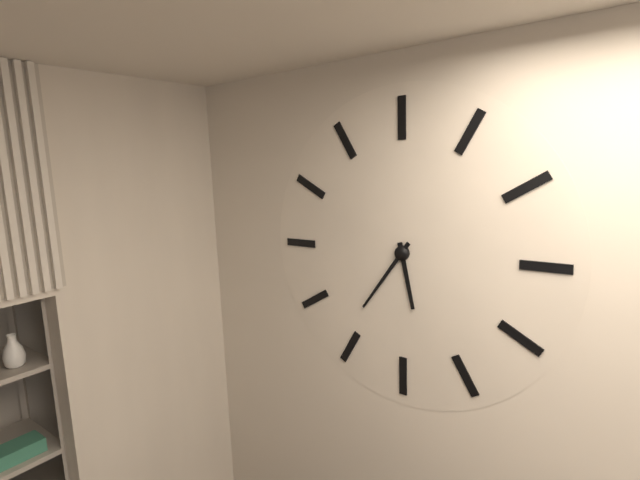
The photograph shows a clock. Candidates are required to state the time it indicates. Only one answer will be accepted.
5:36
